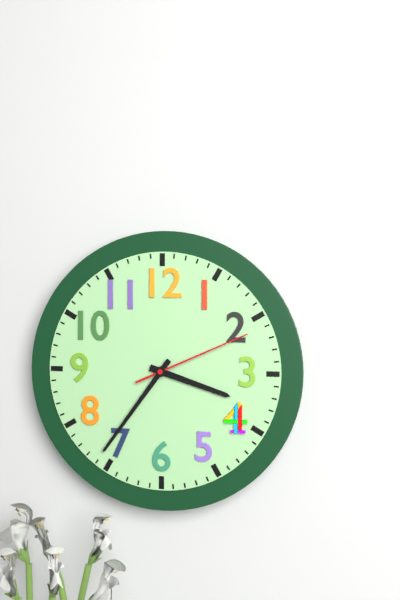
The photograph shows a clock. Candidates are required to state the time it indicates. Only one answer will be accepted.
3:36:11
